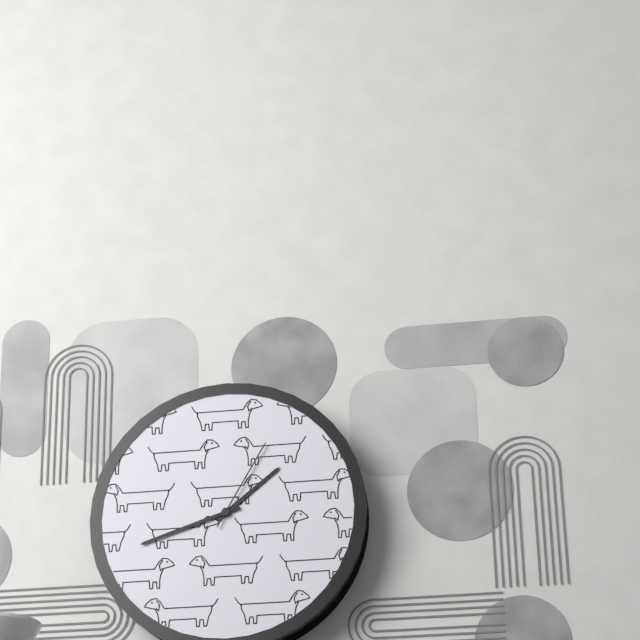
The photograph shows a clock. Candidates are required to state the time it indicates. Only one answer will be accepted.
1:42:05
